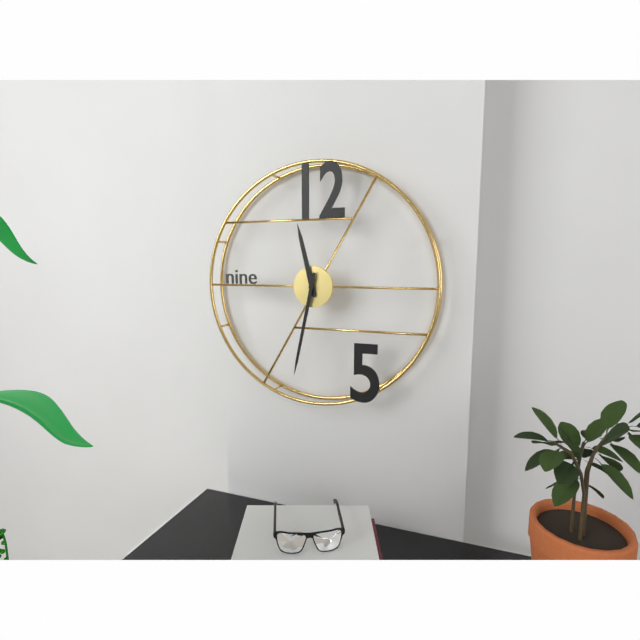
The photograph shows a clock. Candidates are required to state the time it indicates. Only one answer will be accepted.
11:32
